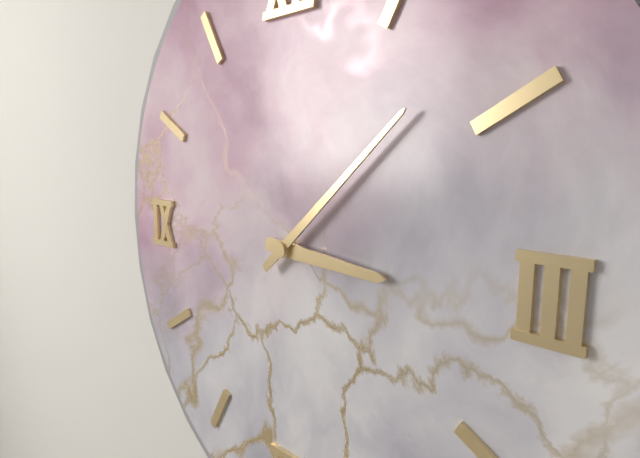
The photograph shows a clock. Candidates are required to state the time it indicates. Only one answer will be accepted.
3:08
